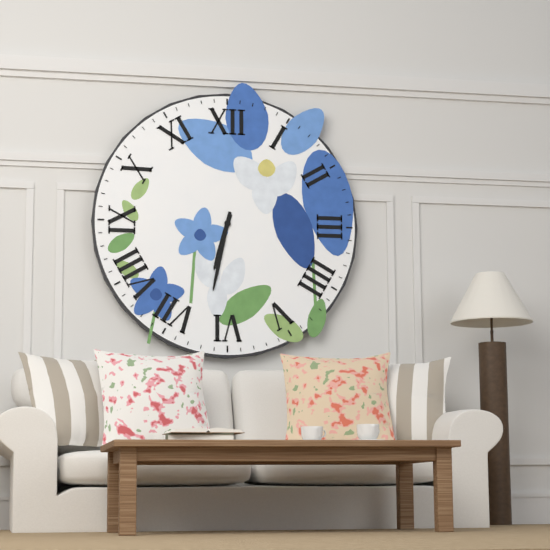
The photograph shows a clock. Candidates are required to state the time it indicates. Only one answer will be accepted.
6:32
